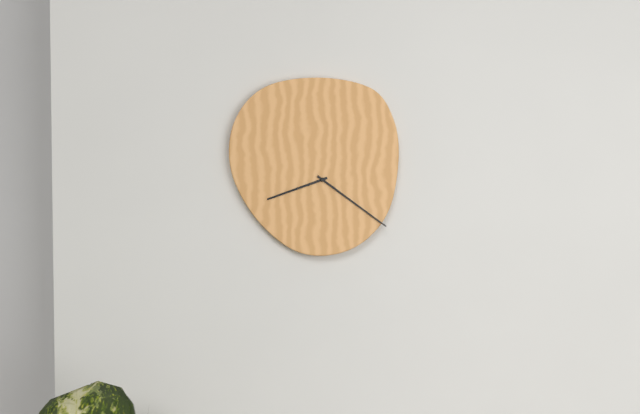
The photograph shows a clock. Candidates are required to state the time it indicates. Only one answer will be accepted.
8:21
